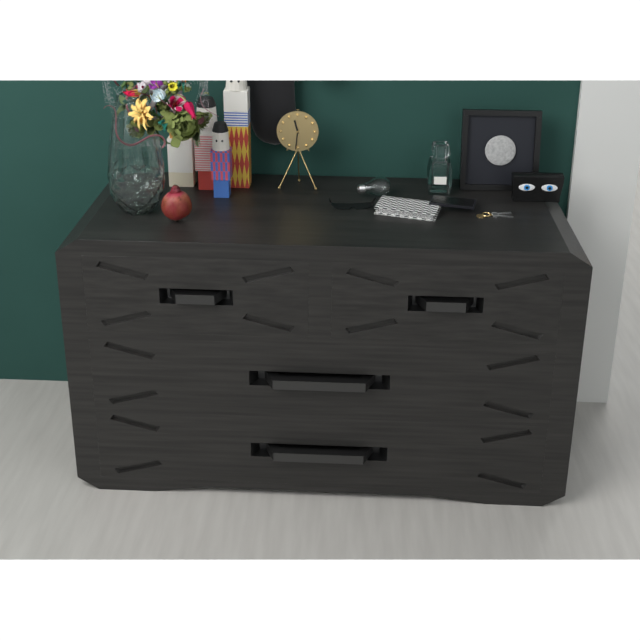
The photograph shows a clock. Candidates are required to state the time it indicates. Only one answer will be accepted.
11:31
